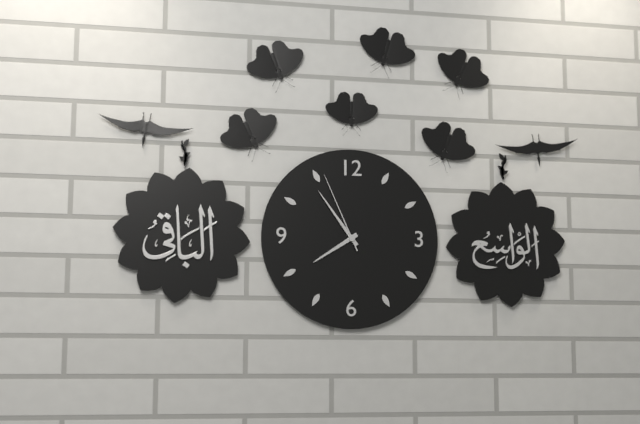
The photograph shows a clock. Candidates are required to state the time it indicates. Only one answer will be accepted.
7:54:56
